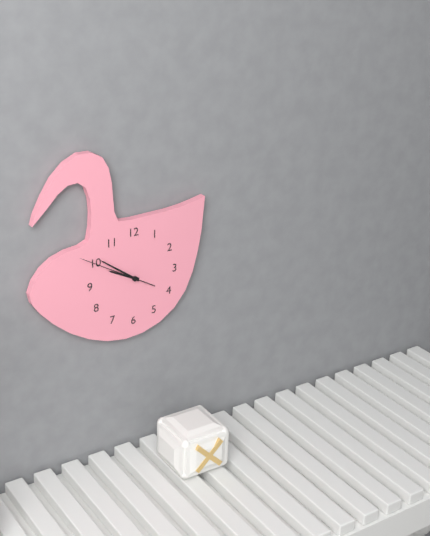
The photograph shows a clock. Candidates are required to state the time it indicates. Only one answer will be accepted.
9:51:50
